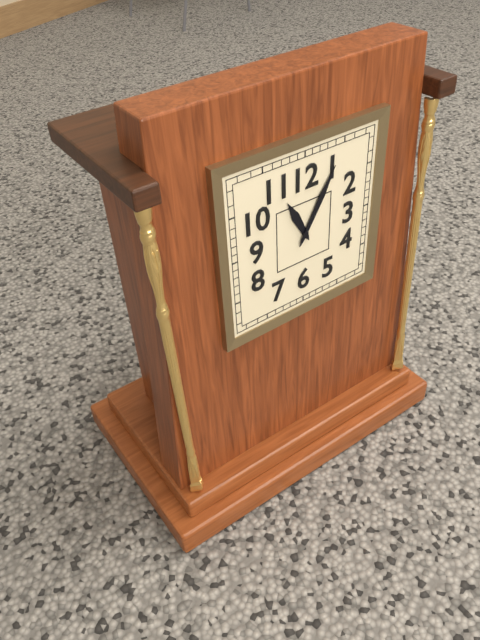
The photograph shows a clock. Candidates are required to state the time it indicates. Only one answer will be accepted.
11:05
